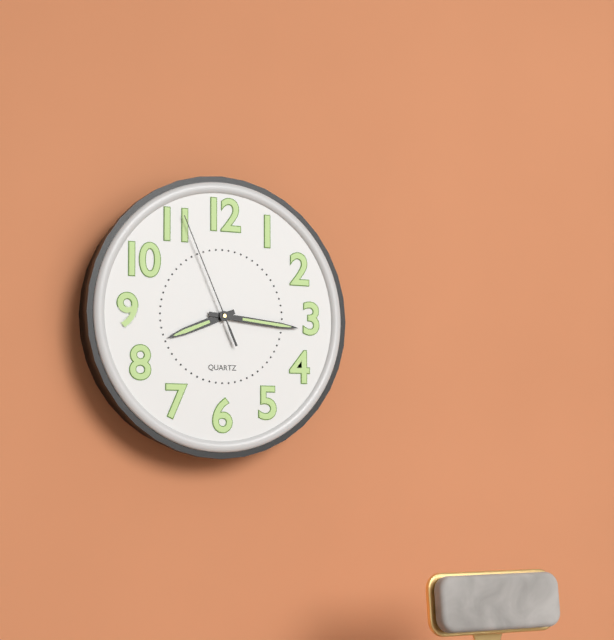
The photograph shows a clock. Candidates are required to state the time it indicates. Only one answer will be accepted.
8:16:56
